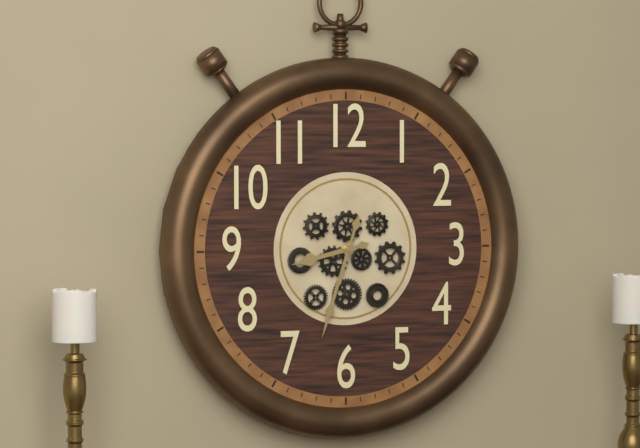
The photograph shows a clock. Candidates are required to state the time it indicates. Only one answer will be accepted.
8:33
